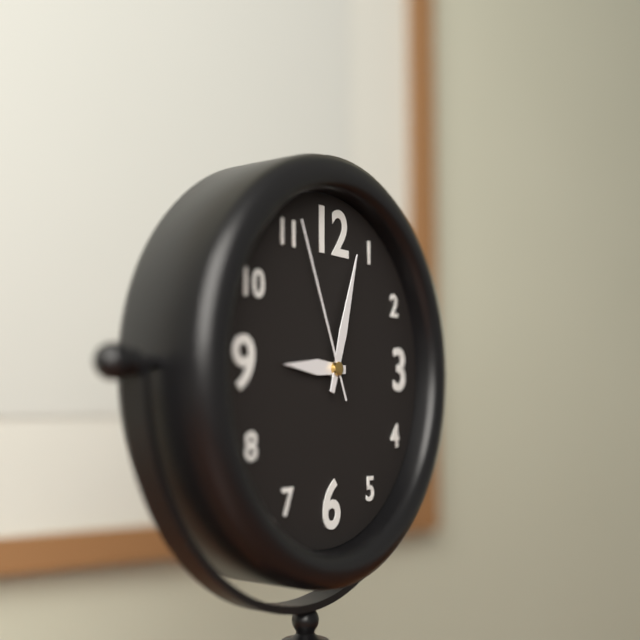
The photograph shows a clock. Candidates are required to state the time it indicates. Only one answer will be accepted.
9:03:56
